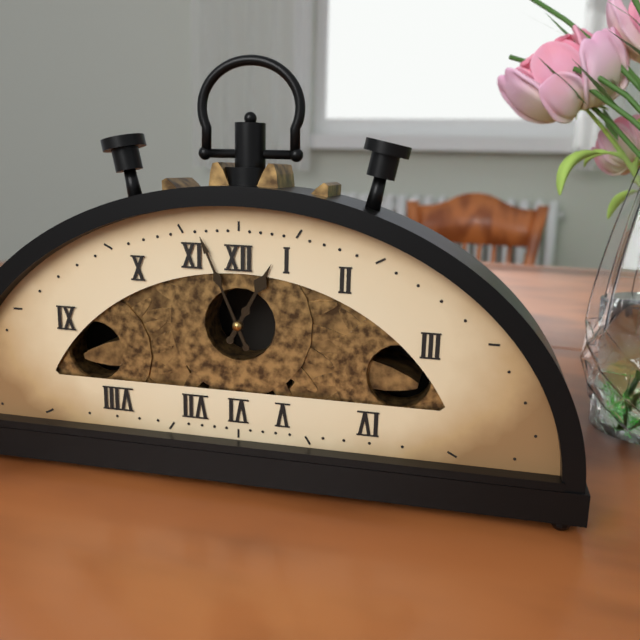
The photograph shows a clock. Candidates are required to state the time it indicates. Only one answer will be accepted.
12:56
